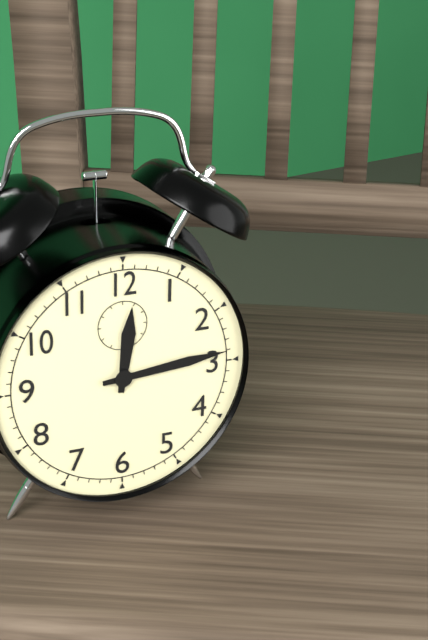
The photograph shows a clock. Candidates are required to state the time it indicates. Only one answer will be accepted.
12:14
